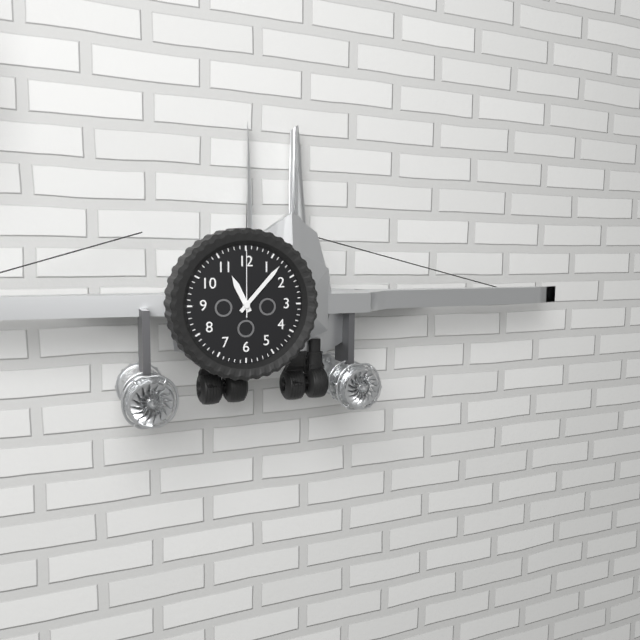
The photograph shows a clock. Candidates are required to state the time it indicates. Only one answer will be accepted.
11:07:00
